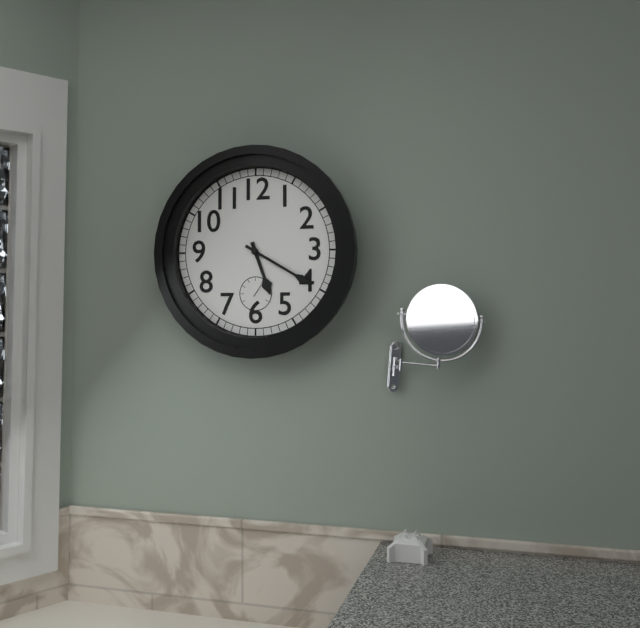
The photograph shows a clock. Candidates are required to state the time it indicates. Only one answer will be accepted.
5:20
